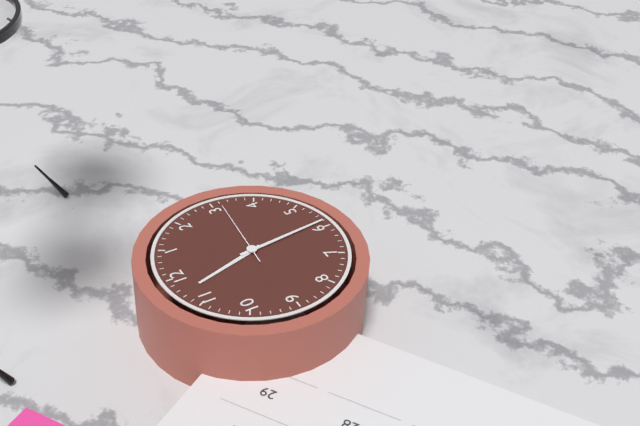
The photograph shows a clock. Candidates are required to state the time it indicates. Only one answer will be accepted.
11:29:16
